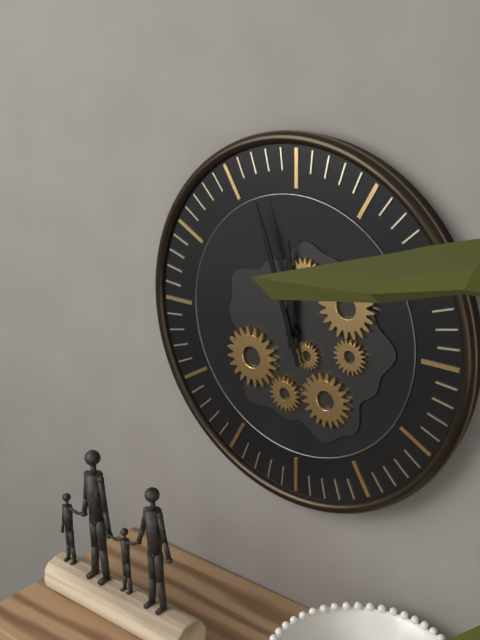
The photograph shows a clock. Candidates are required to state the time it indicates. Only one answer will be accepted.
11:57
